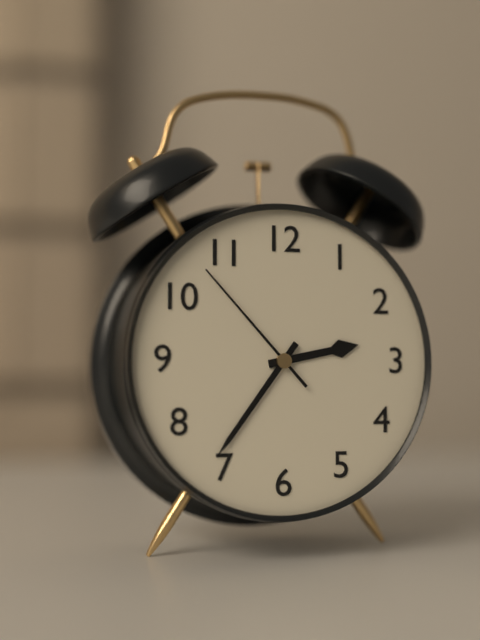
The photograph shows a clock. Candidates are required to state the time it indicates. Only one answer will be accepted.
2:36:53
